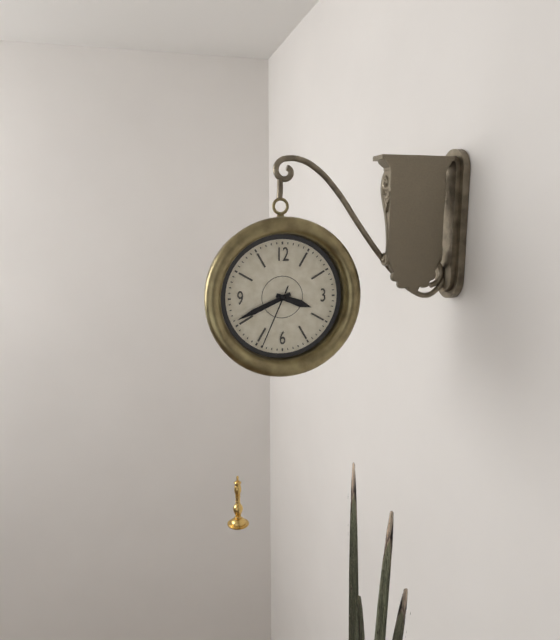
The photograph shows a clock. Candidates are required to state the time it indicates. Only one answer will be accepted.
3:41:34
